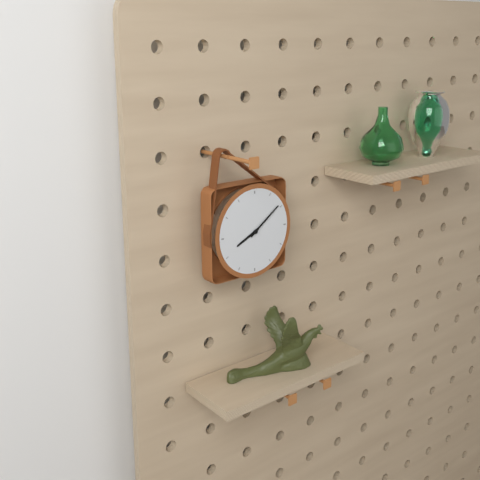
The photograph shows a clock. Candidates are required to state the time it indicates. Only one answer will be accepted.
8:09
